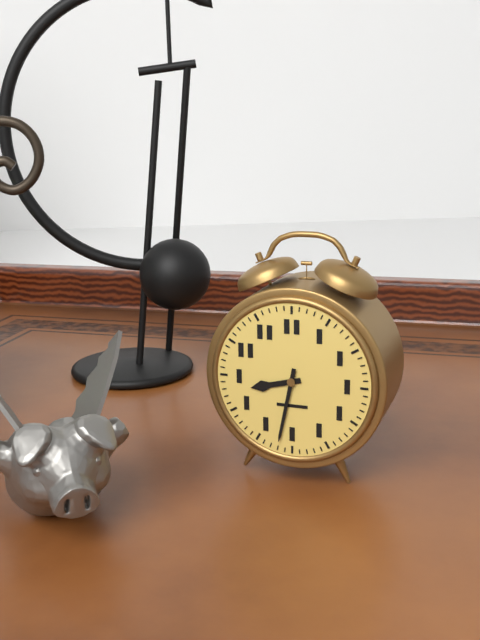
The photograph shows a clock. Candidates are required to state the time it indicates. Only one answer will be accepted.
8:32
